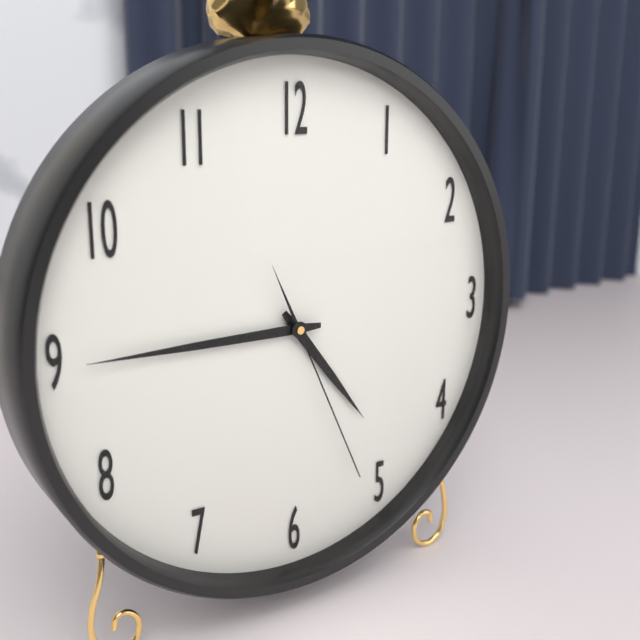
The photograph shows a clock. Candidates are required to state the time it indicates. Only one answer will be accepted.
4:45:26
